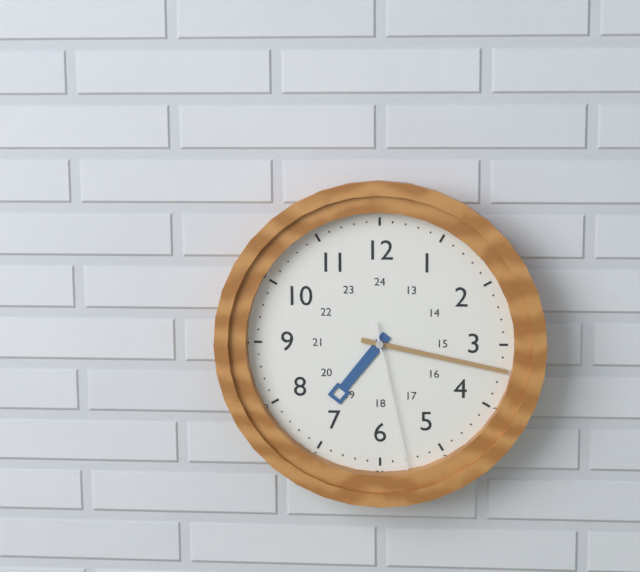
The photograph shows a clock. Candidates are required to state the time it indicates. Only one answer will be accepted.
7:17:28
